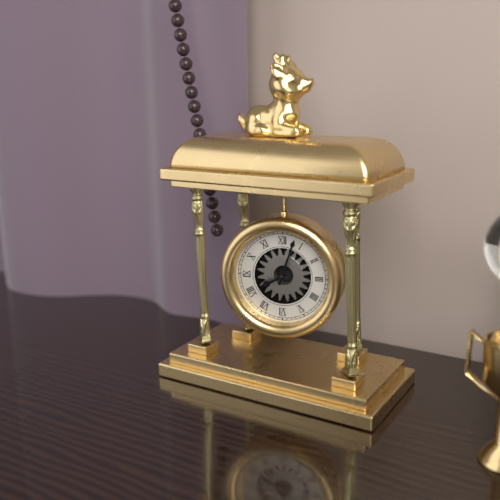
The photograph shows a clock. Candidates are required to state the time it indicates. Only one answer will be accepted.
8:03
